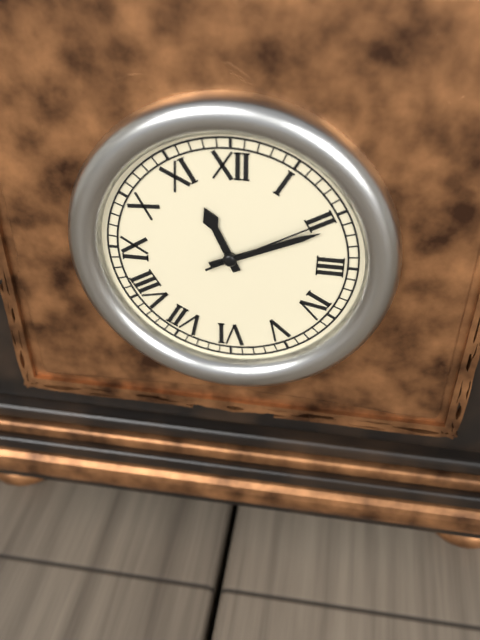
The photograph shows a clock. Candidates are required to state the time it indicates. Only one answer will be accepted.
11:11:10
